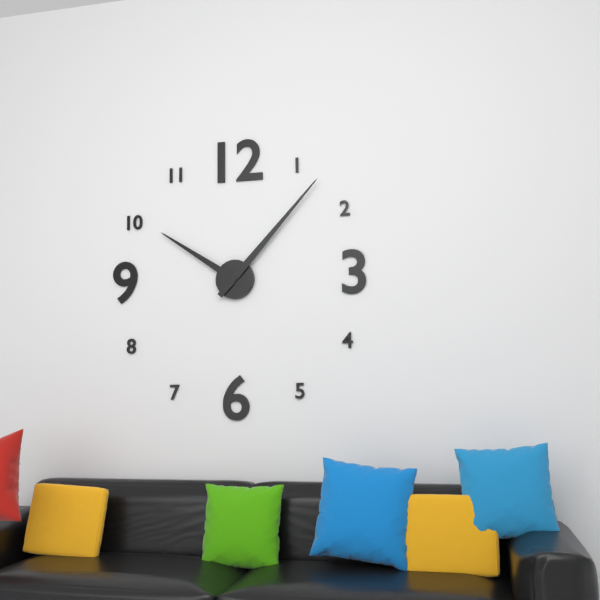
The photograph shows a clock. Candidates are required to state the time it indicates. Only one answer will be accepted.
10:07
